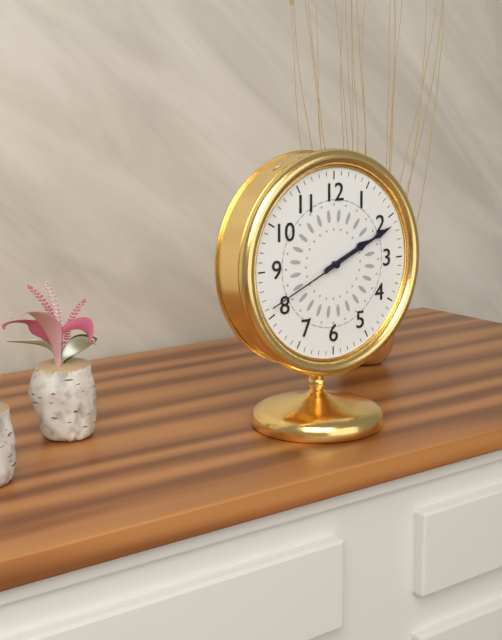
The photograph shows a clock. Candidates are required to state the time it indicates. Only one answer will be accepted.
2:11:41
